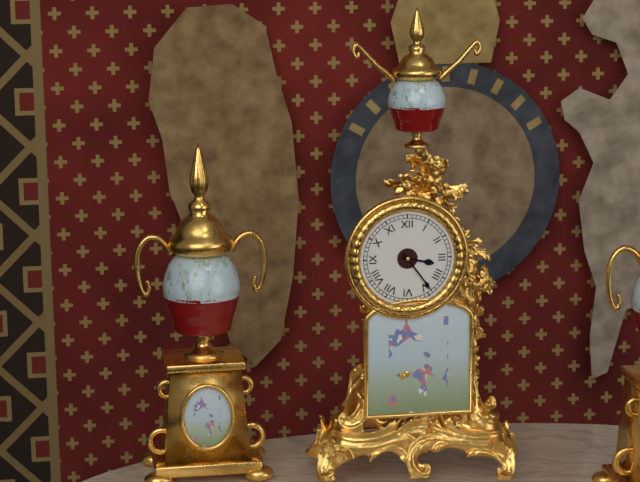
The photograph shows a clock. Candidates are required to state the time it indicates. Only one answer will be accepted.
3:24
